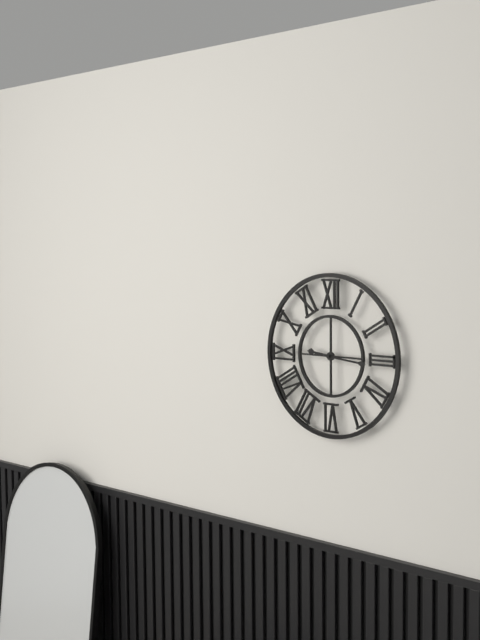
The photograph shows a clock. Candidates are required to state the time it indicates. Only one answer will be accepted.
9:16
